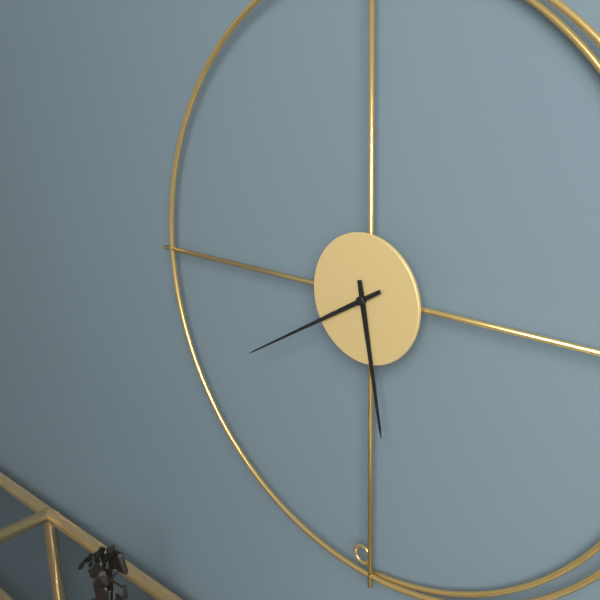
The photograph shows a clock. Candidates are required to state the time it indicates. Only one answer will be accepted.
5:40
